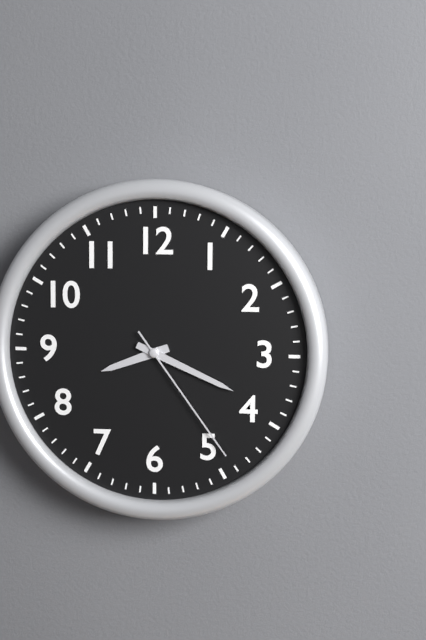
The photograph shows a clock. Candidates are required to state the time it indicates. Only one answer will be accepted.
8:19:24
